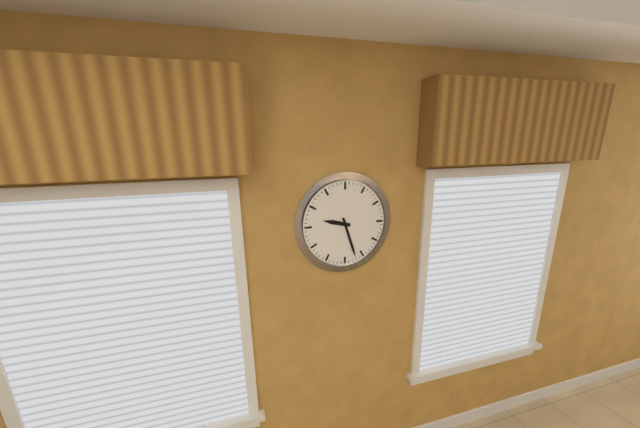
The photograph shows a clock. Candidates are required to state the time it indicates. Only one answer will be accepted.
9:27
